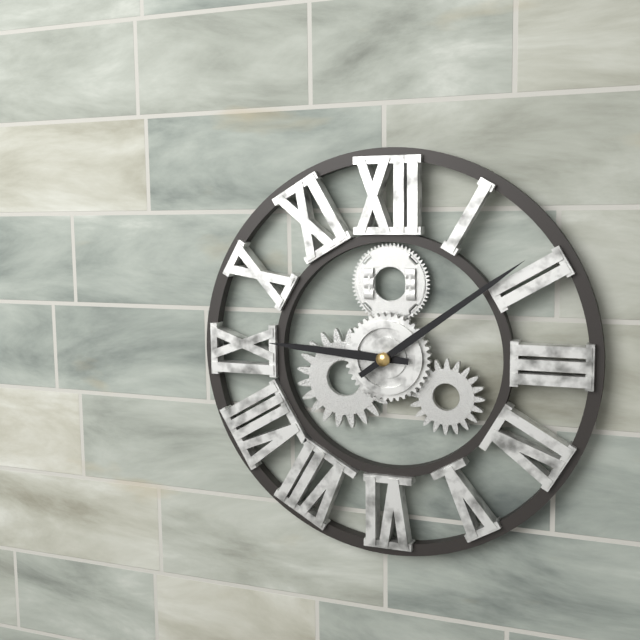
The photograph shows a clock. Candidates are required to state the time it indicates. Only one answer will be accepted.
9:09
